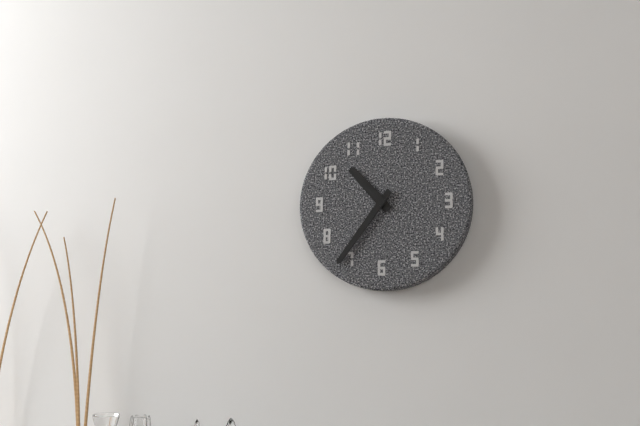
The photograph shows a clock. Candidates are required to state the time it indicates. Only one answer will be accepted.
10:36
